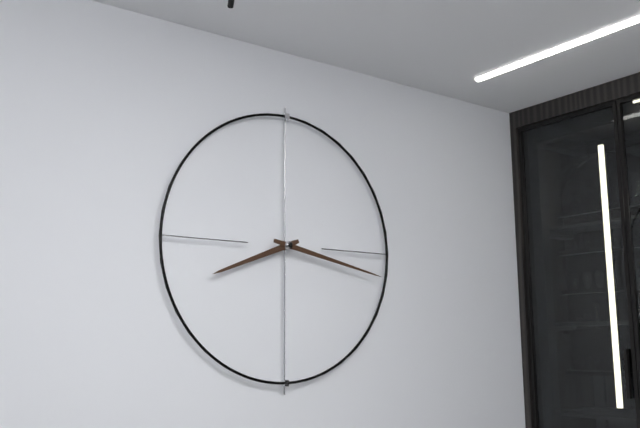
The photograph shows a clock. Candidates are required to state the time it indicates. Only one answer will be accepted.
8:17
